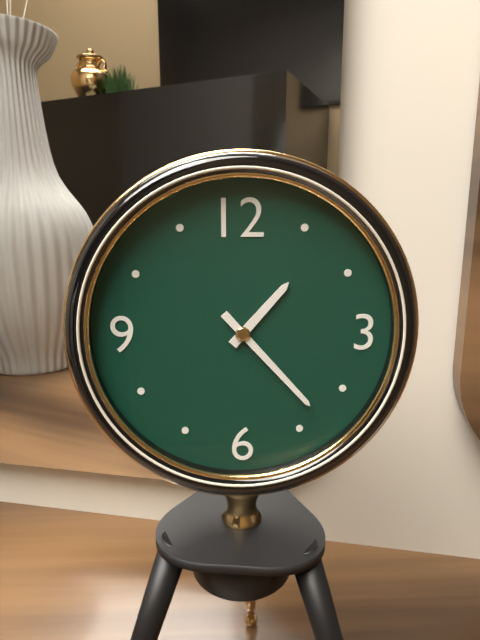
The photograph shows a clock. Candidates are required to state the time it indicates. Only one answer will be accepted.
1:23
